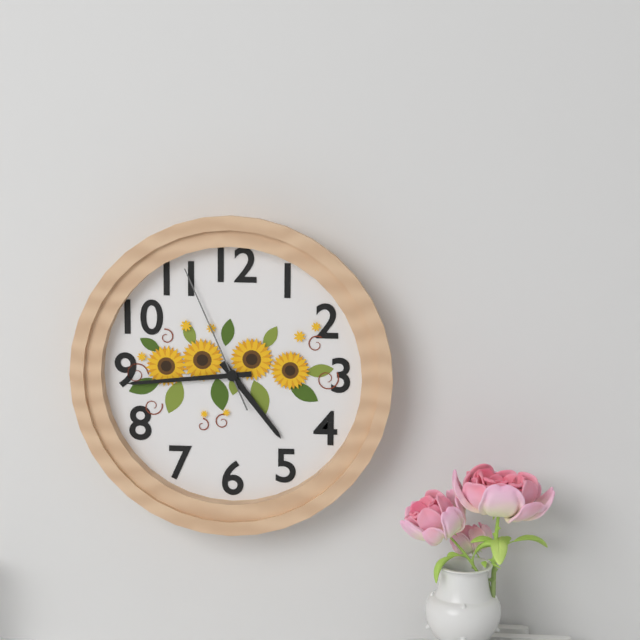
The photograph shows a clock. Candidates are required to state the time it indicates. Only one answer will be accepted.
4:44:56
